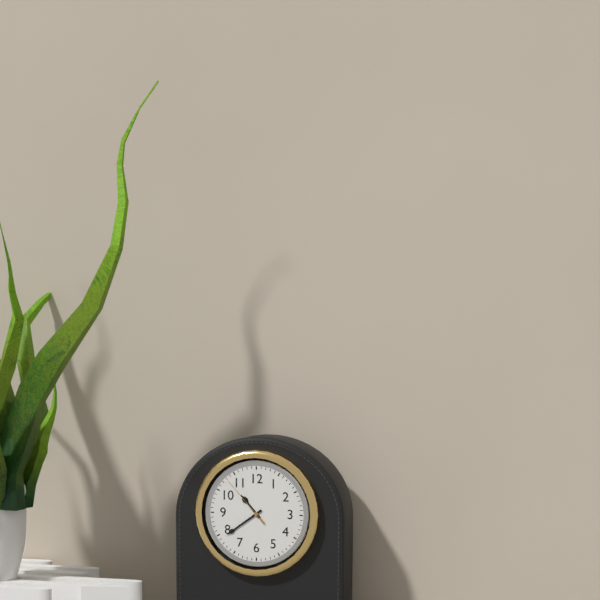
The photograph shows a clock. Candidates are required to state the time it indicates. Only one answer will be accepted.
10:39:53
